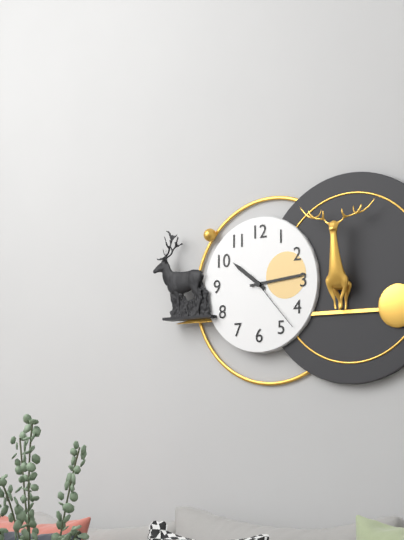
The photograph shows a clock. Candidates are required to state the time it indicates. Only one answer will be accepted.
10:14:23
